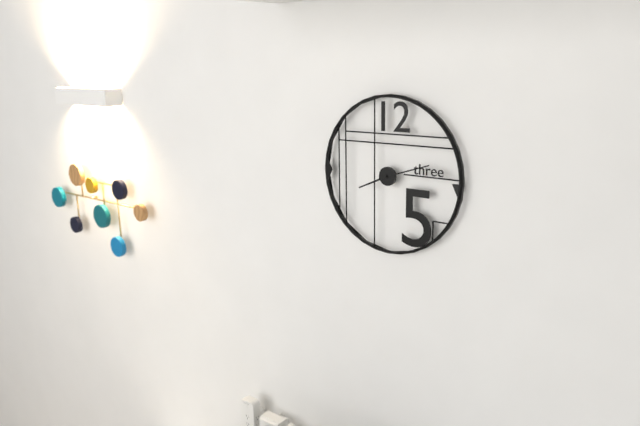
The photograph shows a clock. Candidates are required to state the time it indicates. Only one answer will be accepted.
8:12
